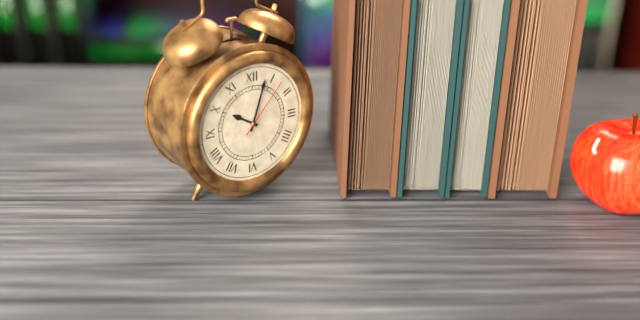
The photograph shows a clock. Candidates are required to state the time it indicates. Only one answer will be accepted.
10:03:07
